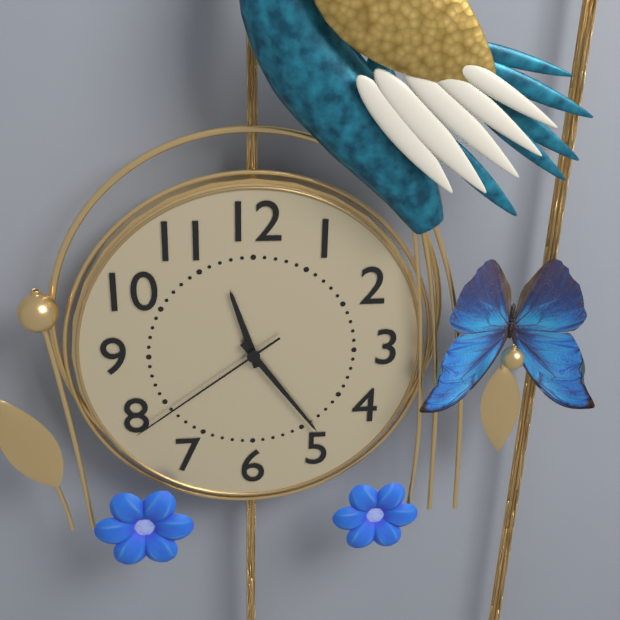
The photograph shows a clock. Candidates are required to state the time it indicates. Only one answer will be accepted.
11:24:39
